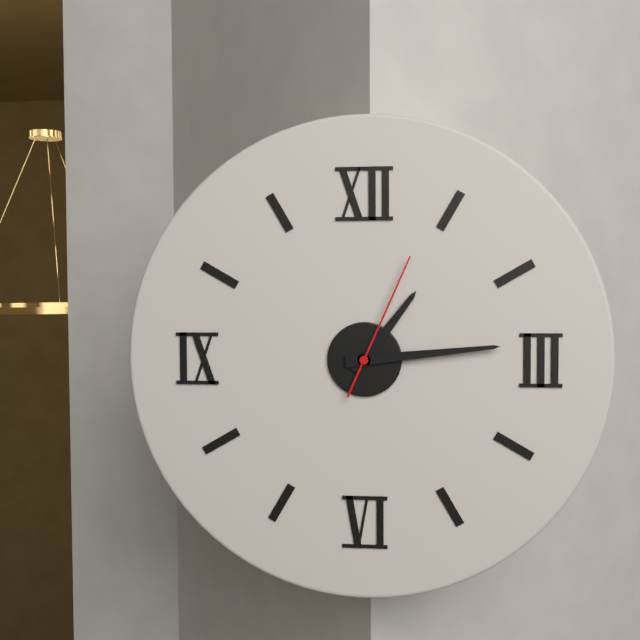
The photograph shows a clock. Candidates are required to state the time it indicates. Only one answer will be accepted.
1:14:04
